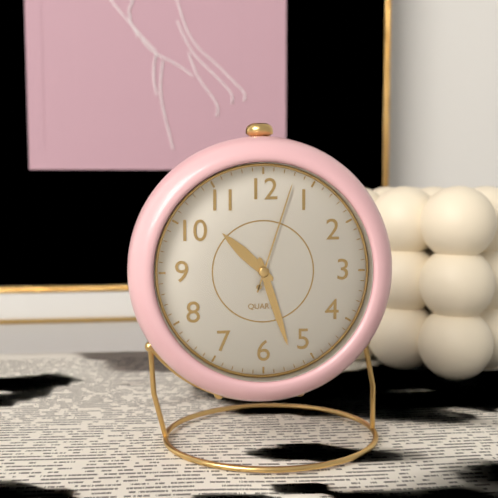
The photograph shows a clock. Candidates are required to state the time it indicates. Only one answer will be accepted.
10:27:03
